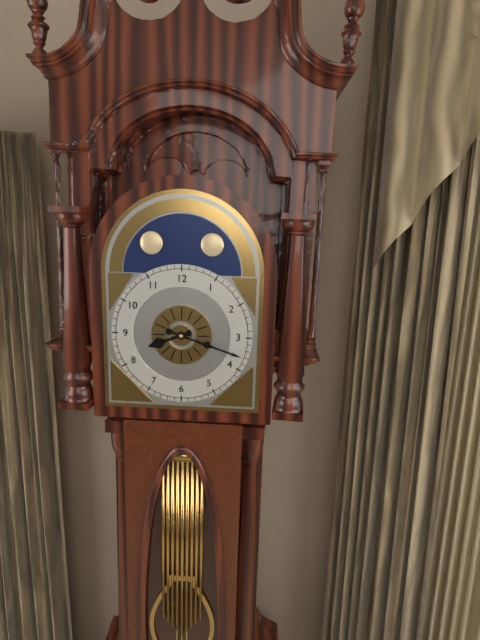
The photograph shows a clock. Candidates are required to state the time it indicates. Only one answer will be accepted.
8:18
